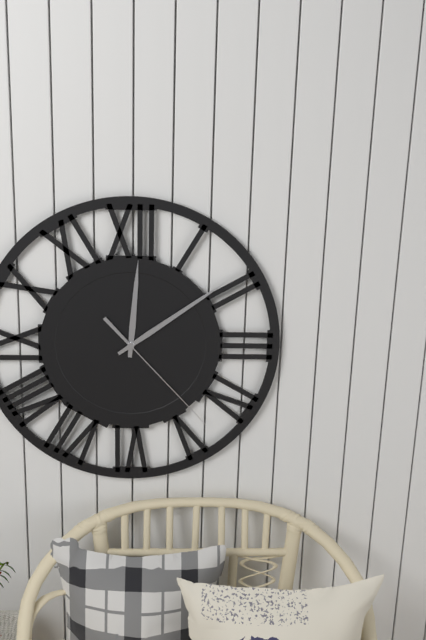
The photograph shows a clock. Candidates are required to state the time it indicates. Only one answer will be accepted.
12:09:23
